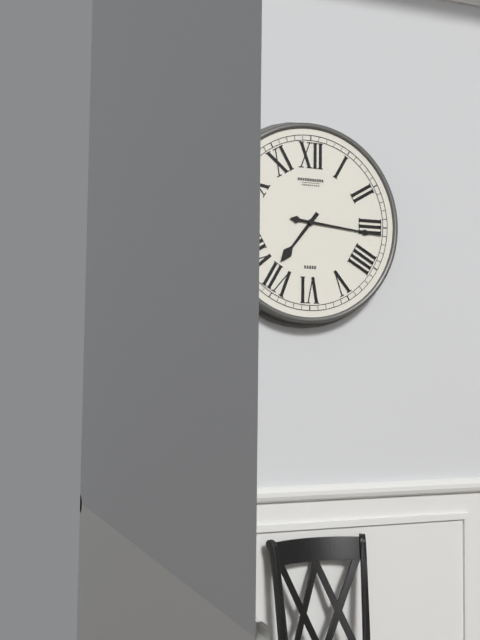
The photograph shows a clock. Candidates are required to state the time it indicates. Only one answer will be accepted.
7:16
